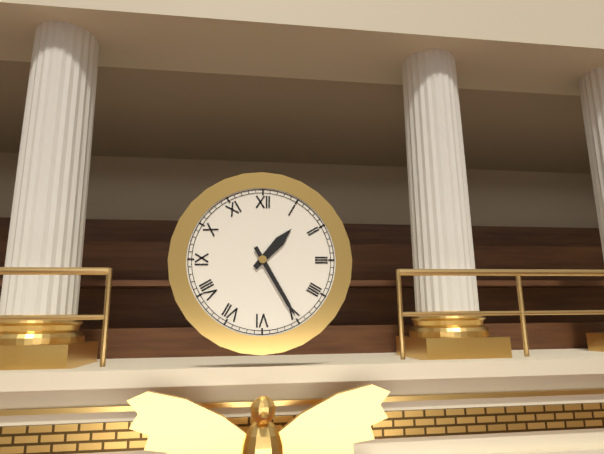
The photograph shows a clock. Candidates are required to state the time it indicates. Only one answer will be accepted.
1:25
